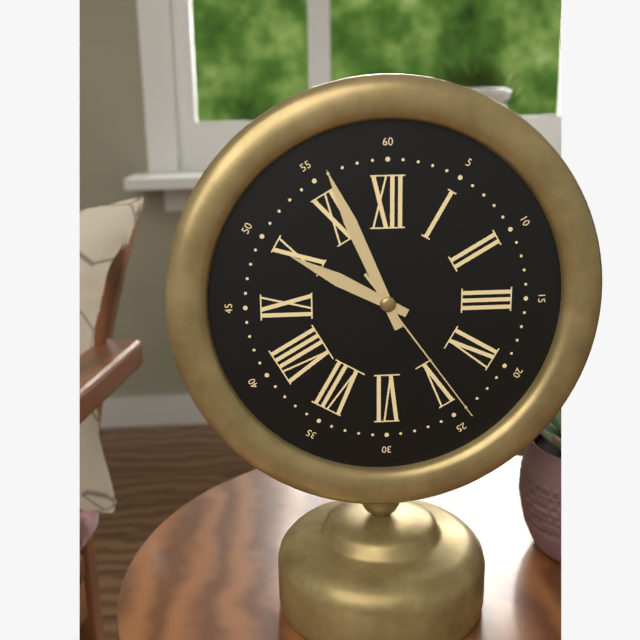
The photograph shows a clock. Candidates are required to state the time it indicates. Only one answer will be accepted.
9:56:24
